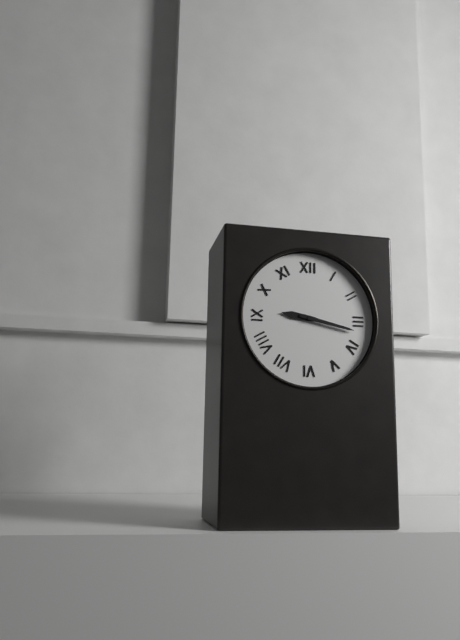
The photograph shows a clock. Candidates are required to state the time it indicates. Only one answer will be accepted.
9:17
